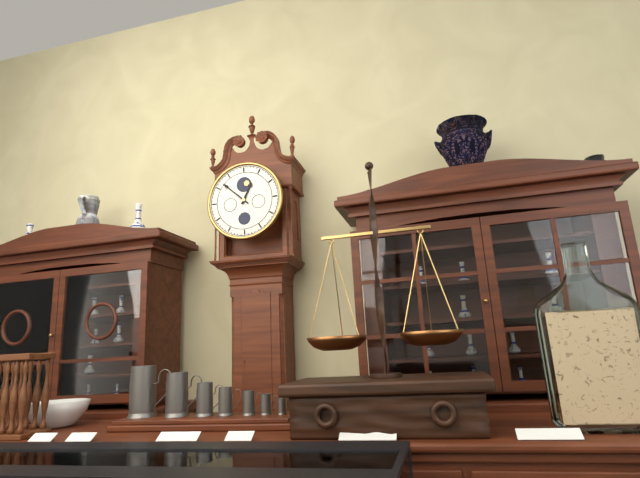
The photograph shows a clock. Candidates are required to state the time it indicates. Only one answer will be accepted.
12:52
